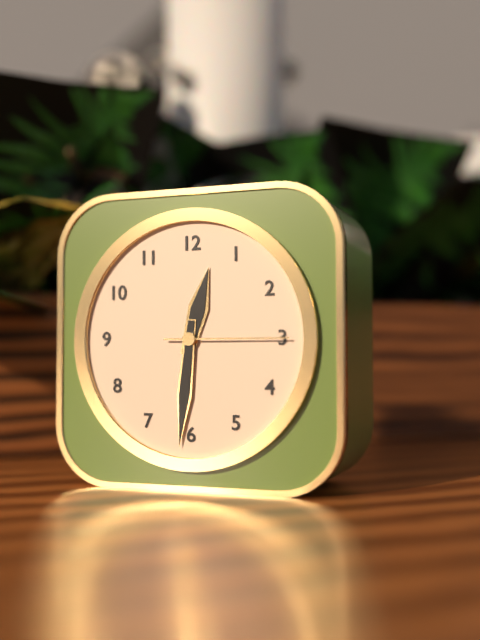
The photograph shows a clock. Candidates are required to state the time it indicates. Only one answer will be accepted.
12:31:15
